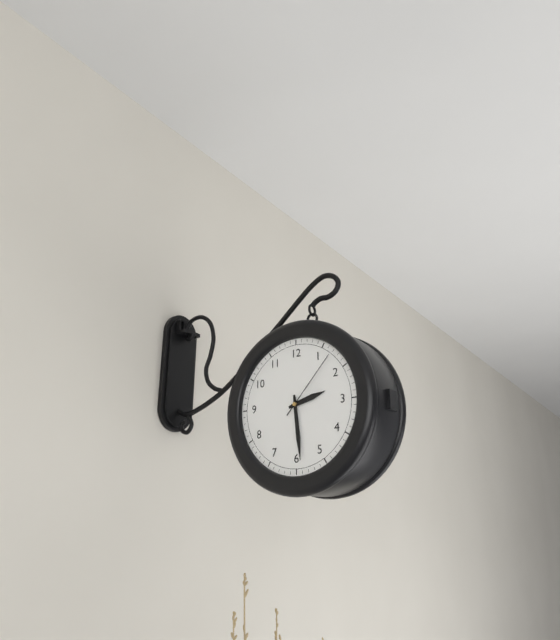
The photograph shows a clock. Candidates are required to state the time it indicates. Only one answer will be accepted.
2:29:07
